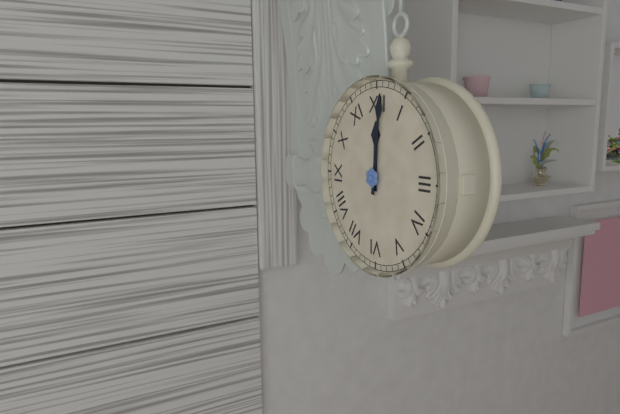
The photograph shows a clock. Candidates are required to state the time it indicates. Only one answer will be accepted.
12:01
